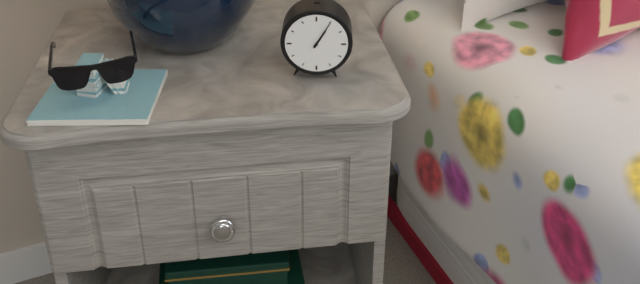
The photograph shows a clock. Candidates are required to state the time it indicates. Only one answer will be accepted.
1:05
